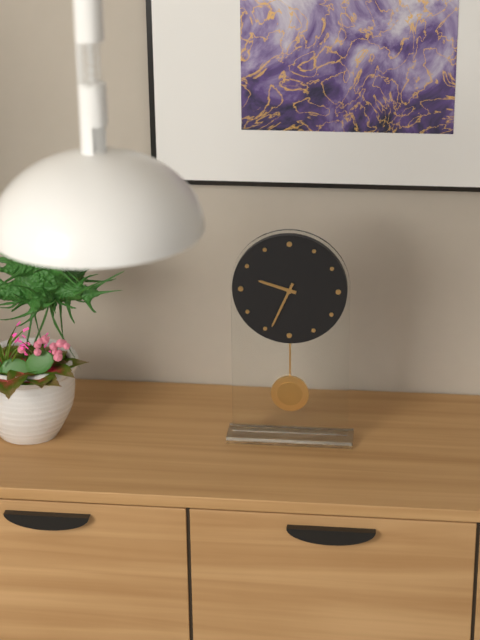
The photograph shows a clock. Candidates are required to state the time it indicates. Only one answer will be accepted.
9:34
